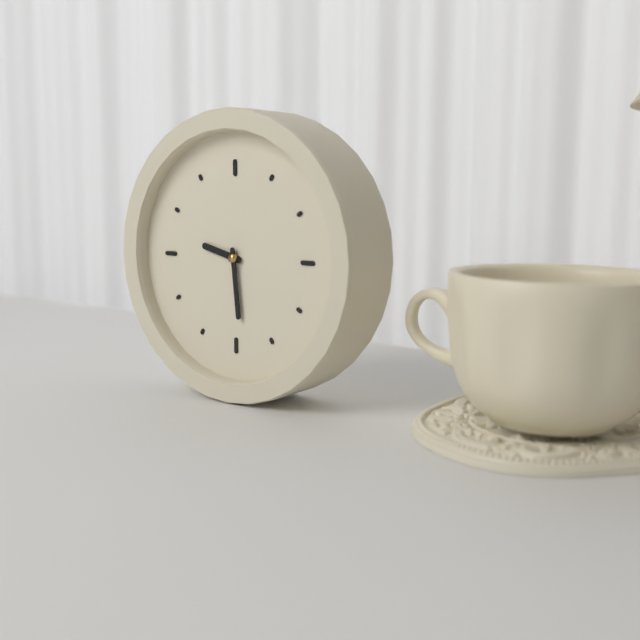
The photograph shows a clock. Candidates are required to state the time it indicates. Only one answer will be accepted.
9:29
